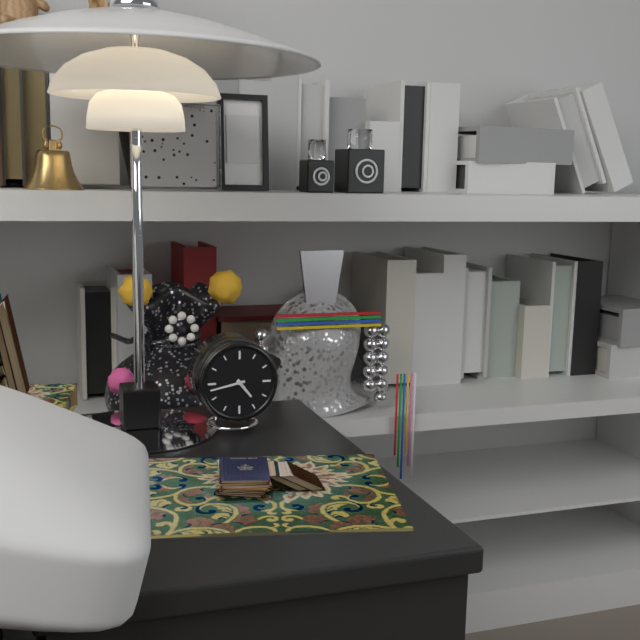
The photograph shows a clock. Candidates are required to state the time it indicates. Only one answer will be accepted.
4:43
